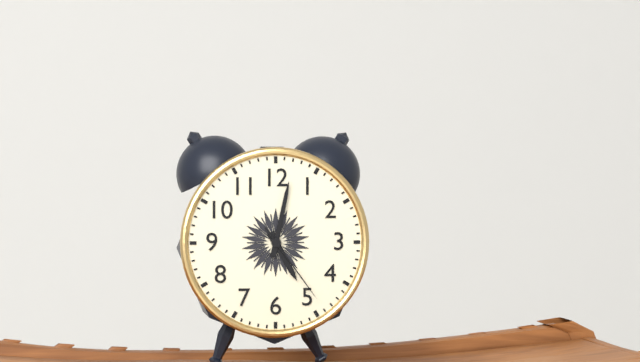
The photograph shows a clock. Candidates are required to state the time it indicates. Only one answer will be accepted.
5:02:24
